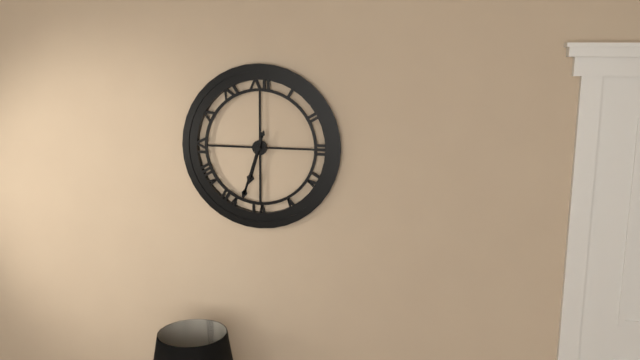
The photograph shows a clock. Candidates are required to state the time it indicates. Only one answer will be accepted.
6:33
